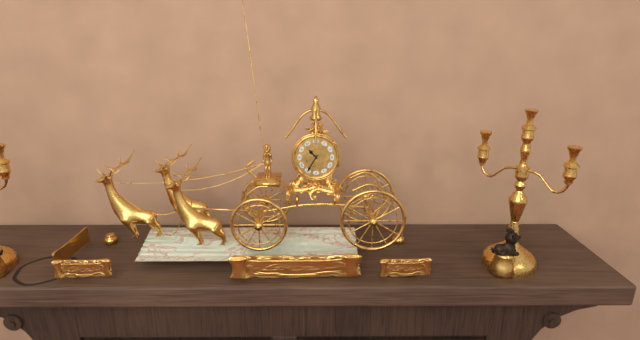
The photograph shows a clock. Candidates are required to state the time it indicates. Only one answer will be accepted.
10:35
